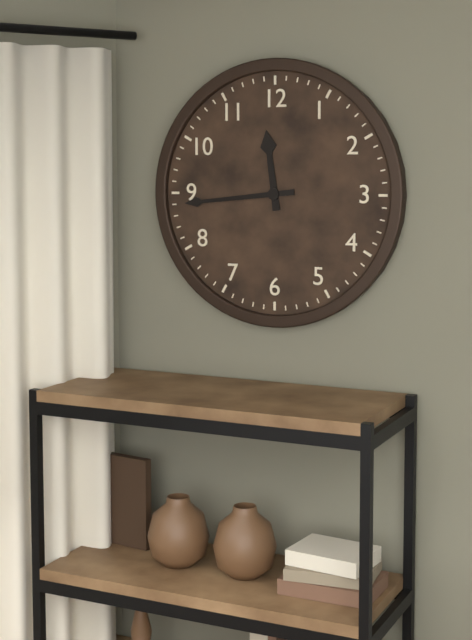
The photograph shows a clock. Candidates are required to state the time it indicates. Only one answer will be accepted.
11:44
